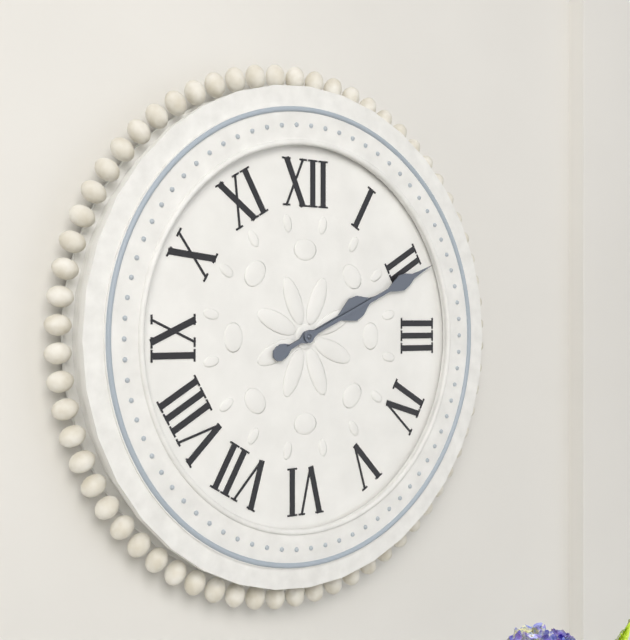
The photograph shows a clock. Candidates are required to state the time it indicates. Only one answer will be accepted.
2:11
